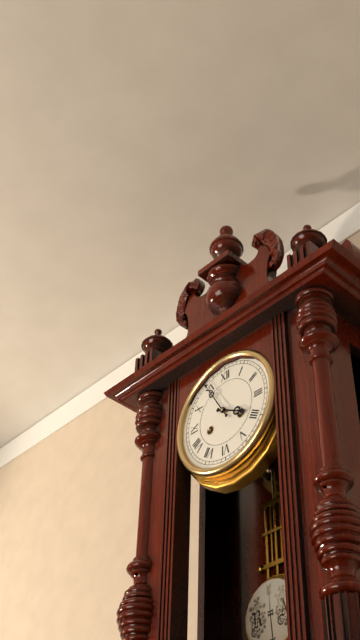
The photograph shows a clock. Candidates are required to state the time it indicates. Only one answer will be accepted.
3:55
